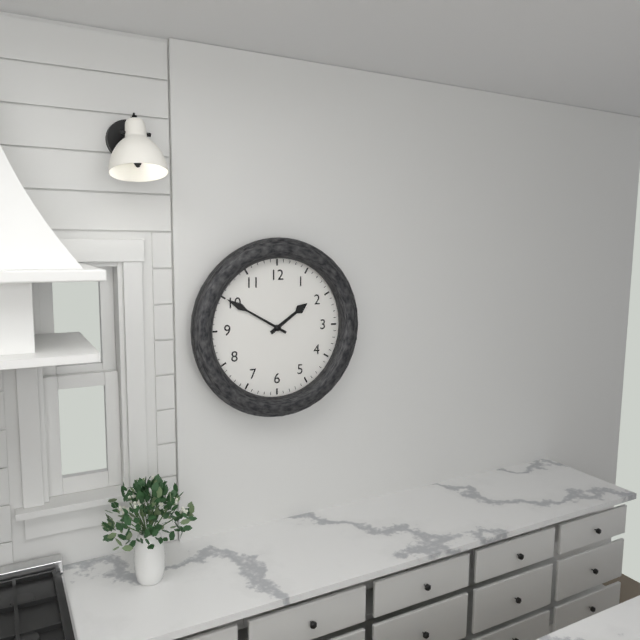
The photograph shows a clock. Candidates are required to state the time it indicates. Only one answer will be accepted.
1:50
